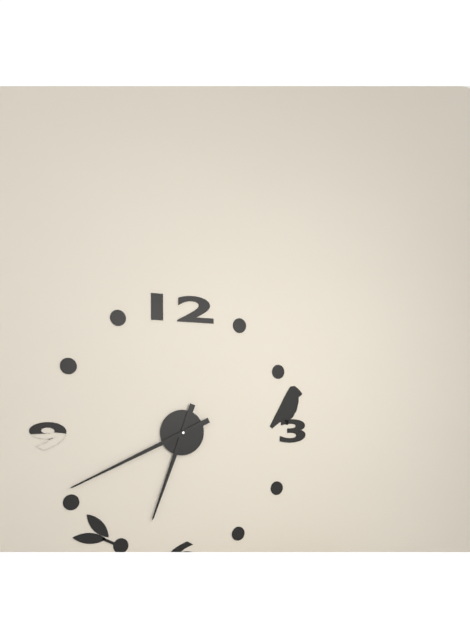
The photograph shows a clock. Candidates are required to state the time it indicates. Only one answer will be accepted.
6:41
